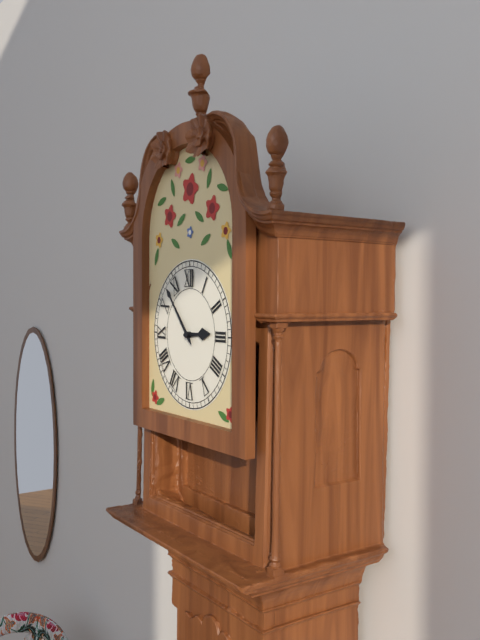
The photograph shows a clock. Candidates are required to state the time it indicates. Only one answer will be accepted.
2:53
